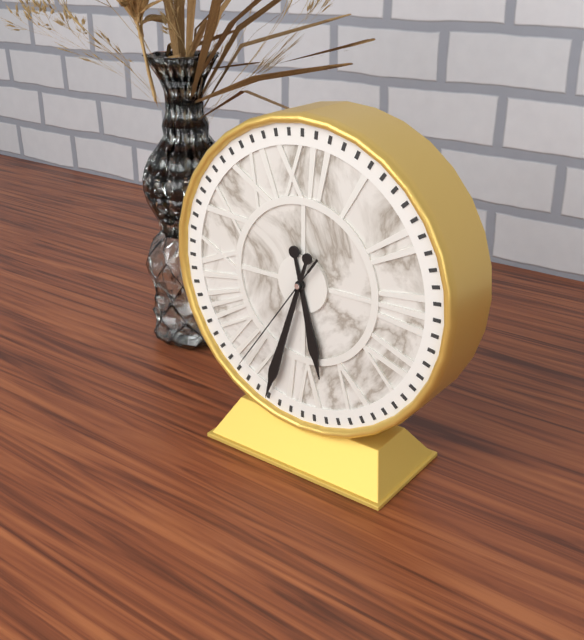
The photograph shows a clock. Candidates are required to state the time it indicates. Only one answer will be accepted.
5:33:36
